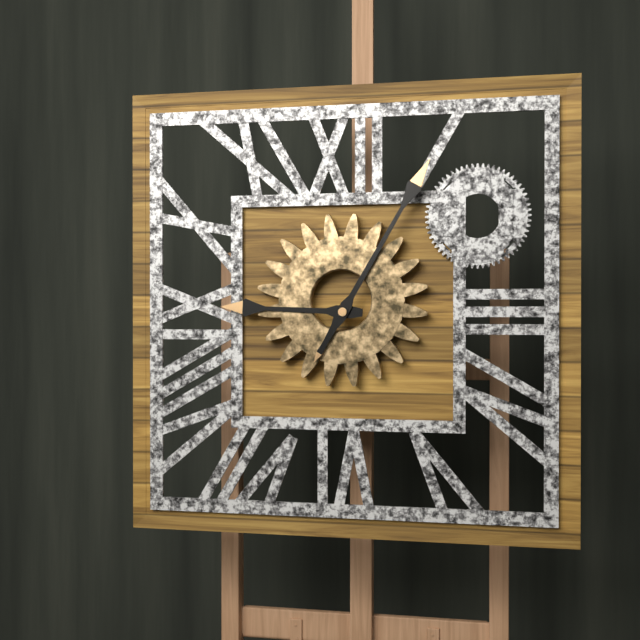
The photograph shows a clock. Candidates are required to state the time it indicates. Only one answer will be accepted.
9:05
